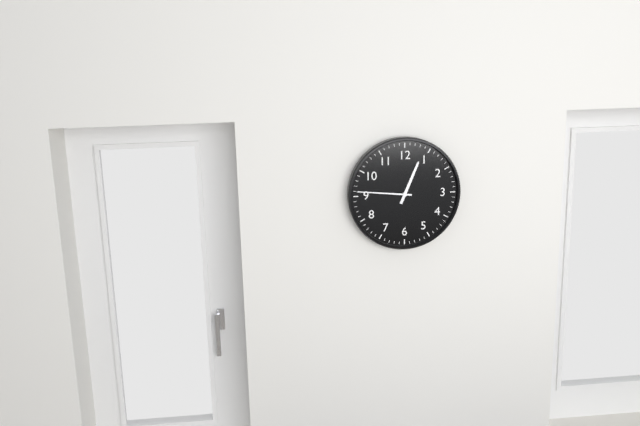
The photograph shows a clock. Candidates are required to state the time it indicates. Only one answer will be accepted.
12:46
